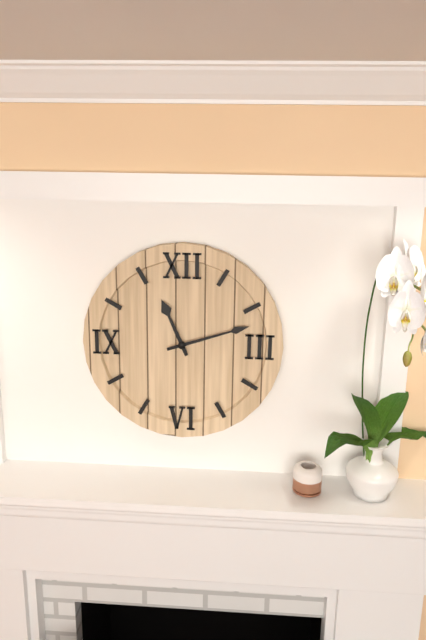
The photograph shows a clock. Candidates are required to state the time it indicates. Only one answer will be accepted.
11:12
